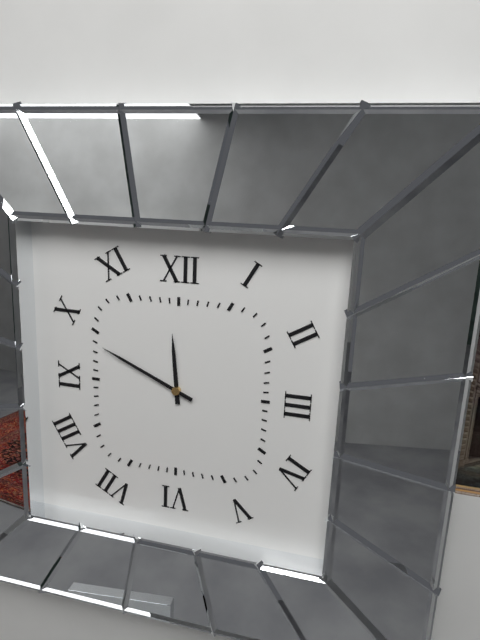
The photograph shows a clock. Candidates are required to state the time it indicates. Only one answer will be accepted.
11:49
